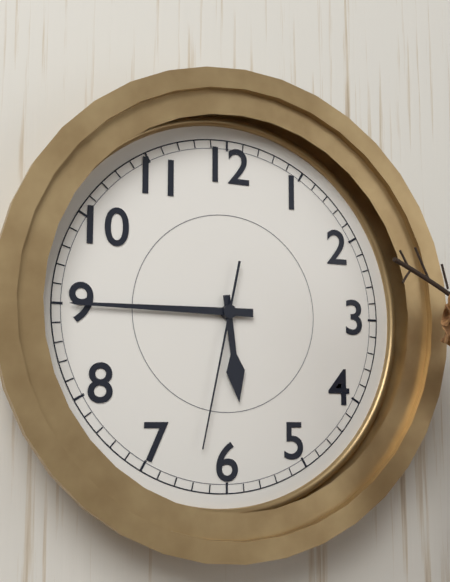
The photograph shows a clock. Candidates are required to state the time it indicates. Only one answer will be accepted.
5:45:32
